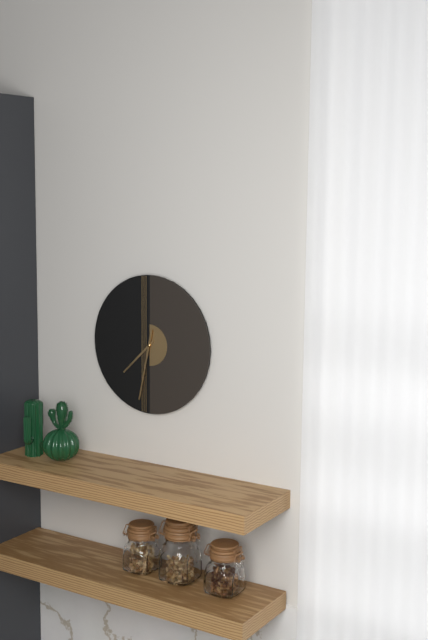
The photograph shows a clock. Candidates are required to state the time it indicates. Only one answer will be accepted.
7:32
